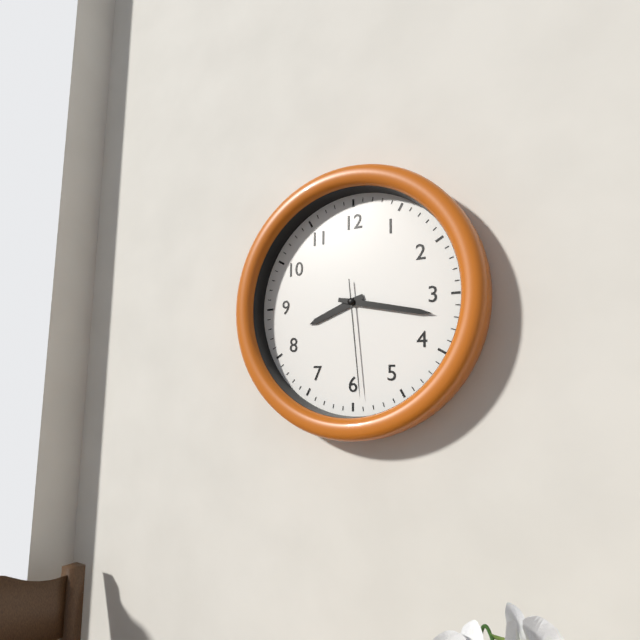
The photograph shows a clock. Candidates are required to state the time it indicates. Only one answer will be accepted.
8:17:29
